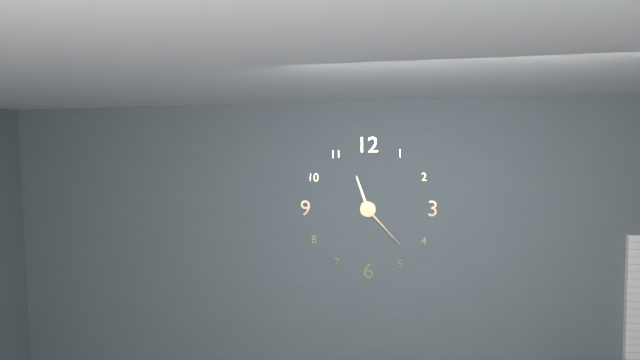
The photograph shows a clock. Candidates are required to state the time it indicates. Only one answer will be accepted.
11:23
